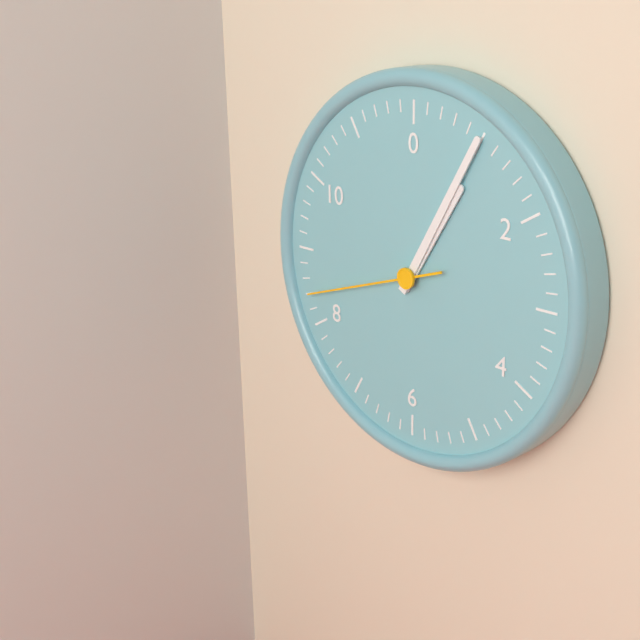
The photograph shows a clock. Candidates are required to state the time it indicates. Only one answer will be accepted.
1:05:42
